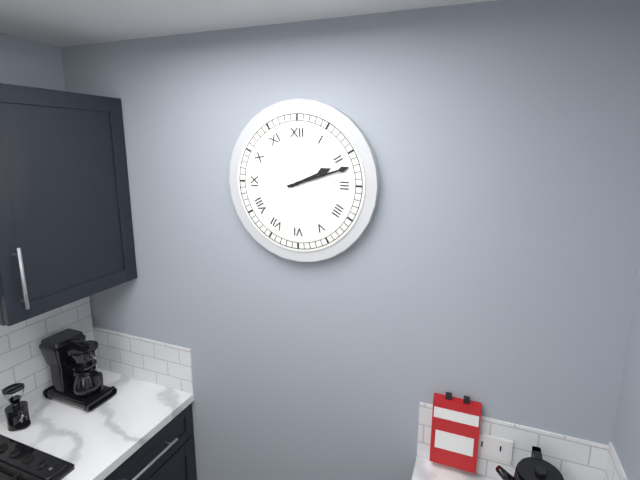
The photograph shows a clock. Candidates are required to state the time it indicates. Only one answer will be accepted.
2:12
